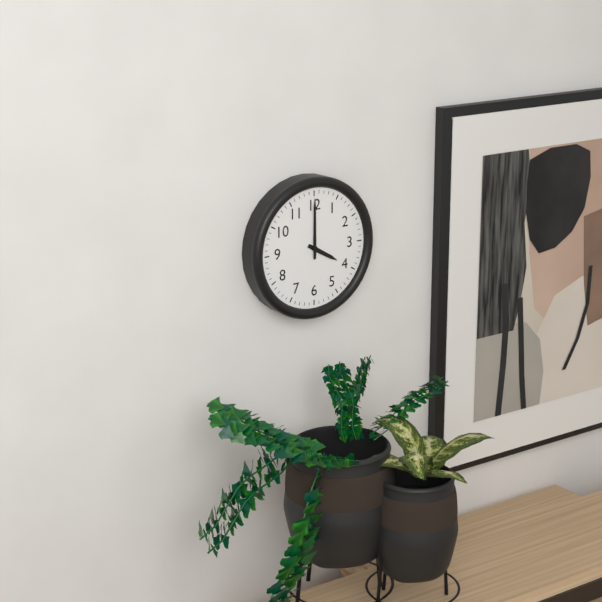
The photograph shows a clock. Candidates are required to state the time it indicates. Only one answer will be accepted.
4:00
